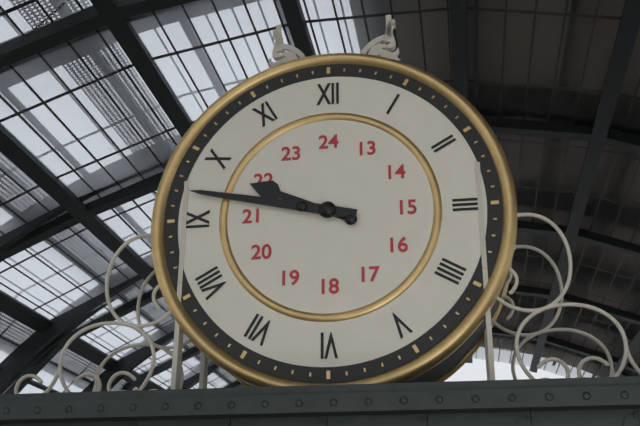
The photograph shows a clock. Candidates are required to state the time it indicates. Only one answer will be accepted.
9:47
